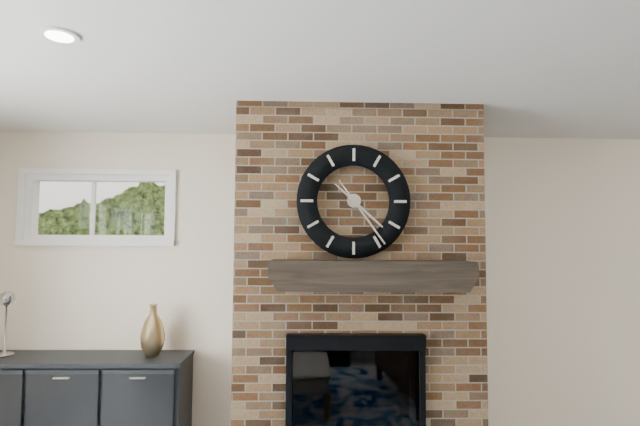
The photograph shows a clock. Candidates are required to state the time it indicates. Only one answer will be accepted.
4:24
